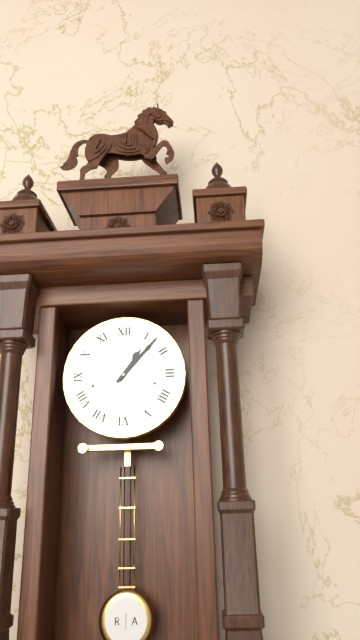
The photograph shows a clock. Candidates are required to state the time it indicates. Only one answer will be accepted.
1:07
